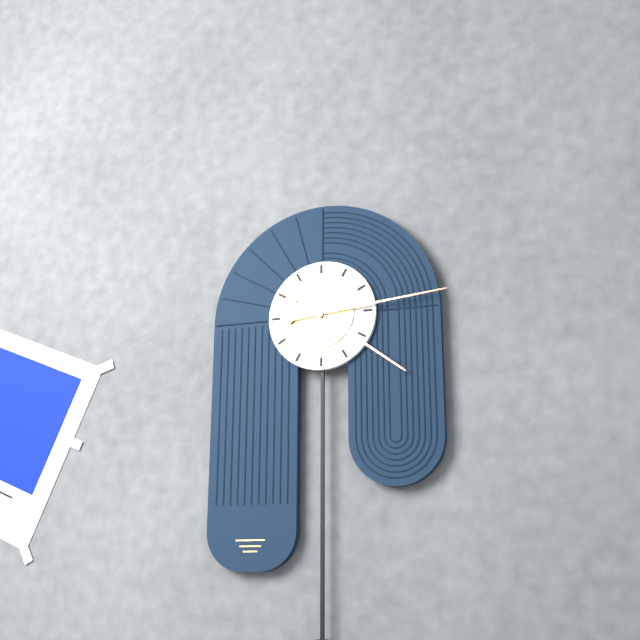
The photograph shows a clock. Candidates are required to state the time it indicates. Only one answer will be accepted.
4:14
